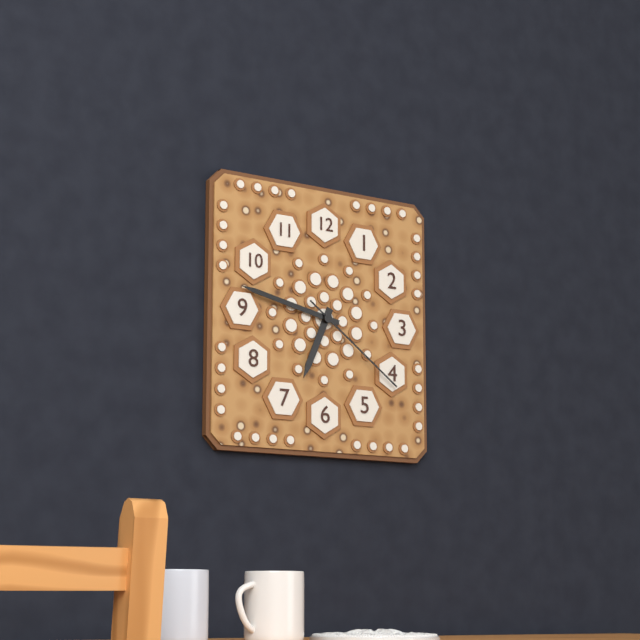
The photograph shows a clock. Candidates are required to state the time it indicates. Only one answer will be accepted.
6:47:21
